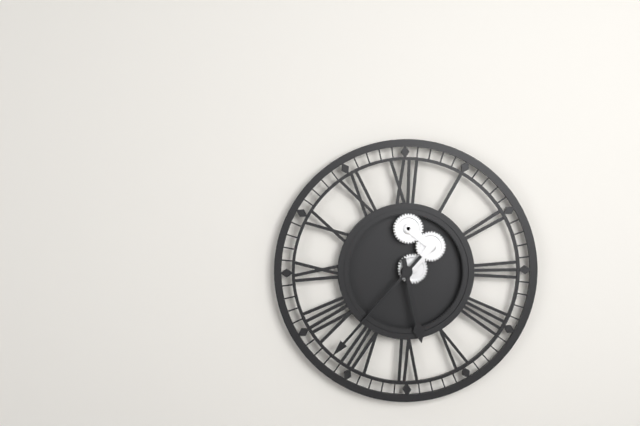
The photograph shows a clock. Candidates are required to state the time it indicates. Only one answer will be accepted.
5:37
